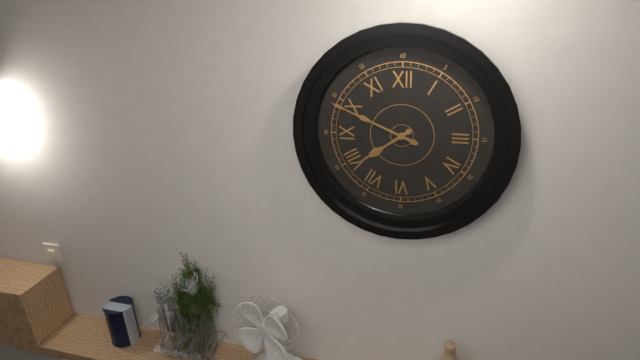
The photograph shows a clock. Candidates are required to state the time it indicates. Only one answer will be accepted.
7:49
